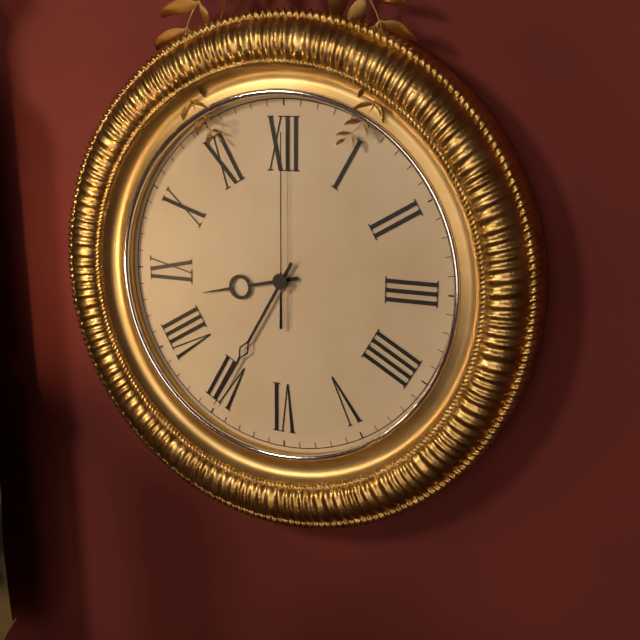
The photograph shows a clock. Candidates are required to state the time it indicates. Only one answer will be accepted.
8:35:00
